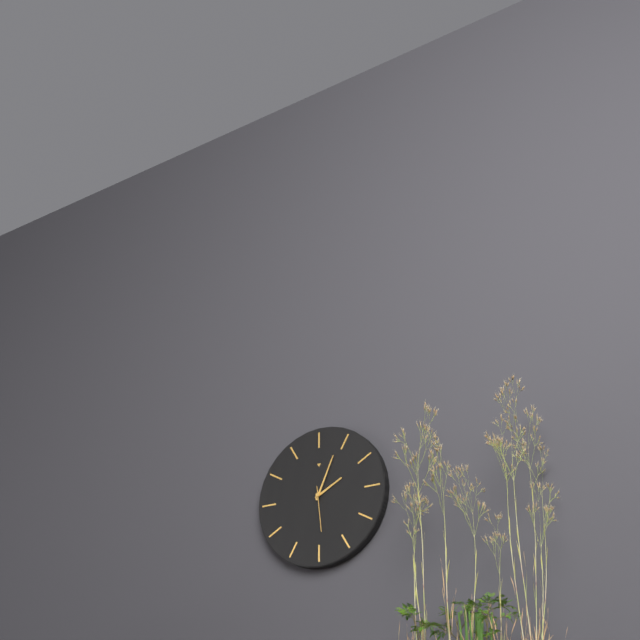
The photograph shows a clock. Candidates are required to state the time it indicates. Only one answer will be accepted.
2:04
